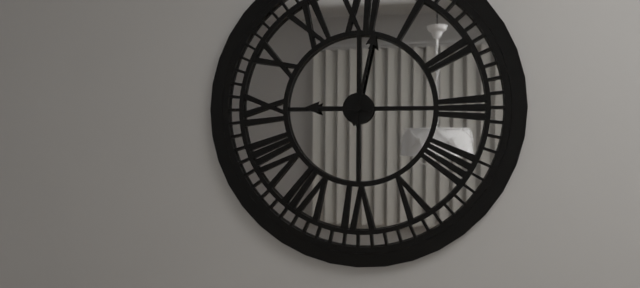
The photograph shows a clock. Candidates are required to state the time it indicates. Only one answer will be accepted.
9:02
